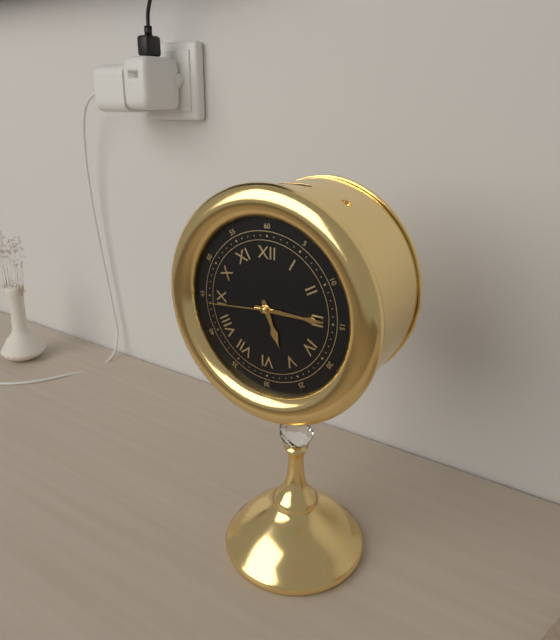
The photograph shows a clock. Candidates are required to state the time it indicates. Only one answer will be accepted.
5:15:44
